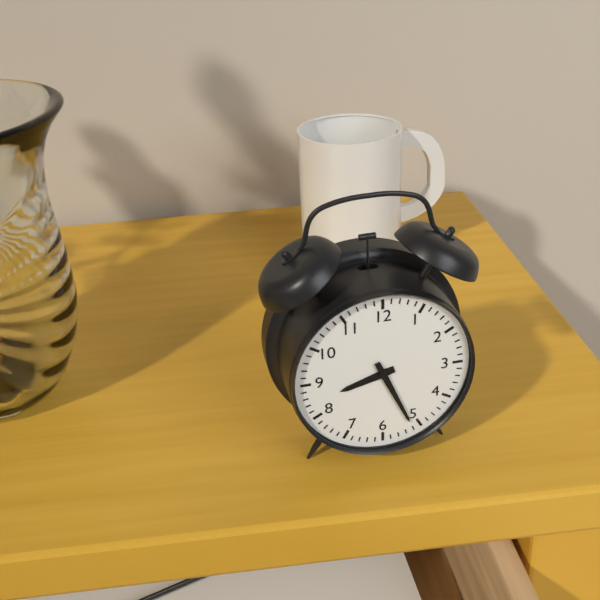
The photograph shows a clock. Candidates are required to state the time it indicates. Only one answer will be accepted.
8:26
